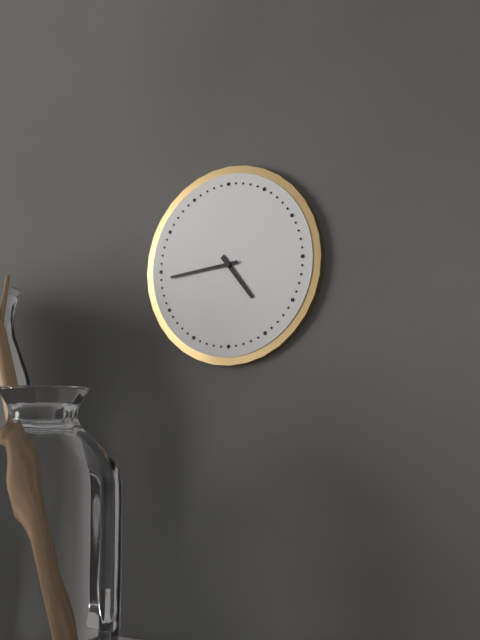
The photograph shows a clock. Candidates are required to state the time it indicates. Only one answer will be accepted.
4:44
